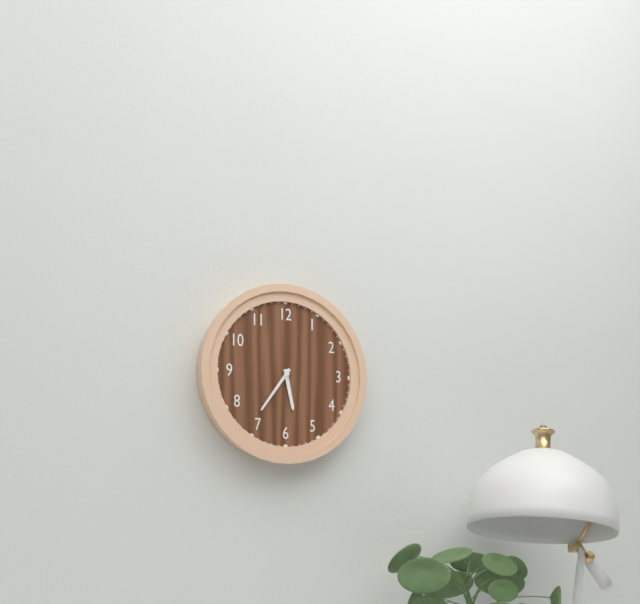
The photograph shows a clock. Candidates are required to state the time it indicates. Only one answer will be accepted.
5:36
